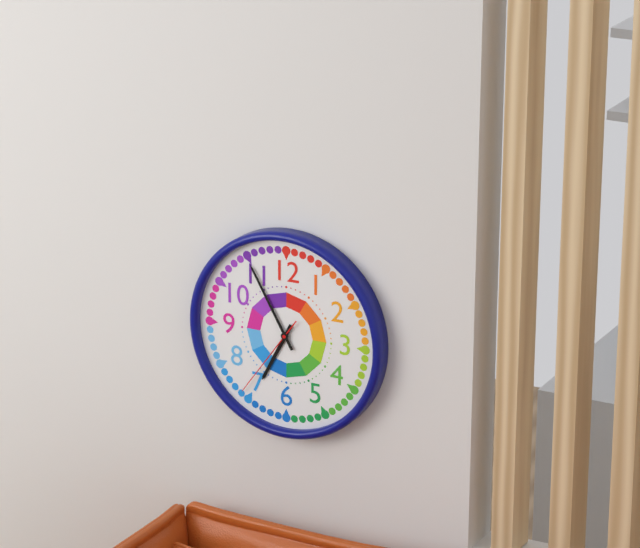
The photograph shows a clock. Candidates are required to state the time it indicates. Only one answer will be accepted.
6:55:36
